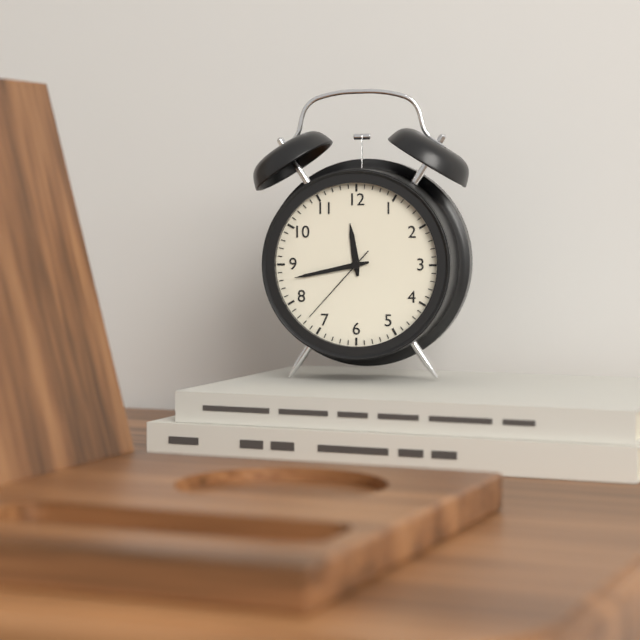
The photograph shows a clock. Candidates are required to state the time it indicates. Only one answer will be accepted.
11:43:37
